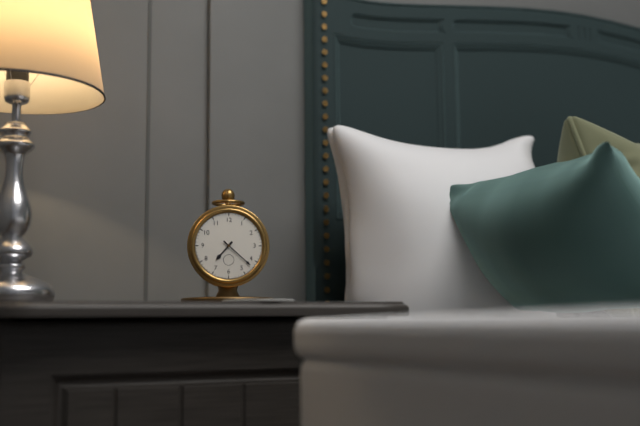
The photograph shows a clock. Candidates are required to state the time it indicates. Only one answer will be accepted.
7:22
